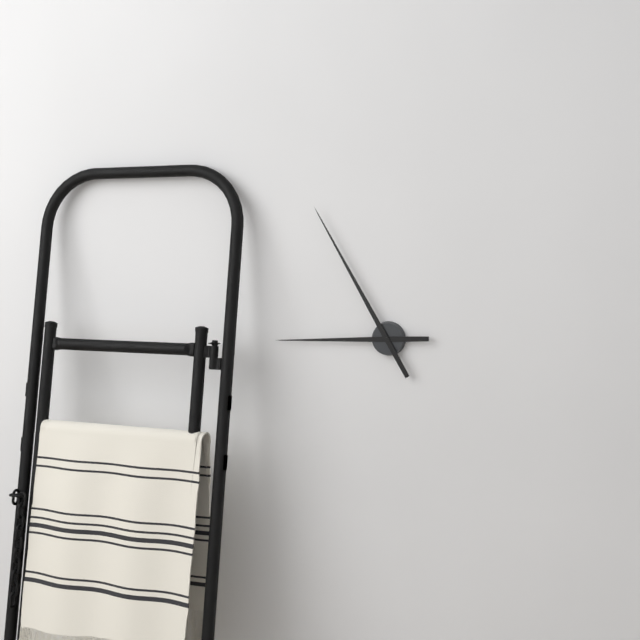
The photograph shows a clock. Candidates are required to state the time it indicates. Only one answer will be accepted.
8:55
